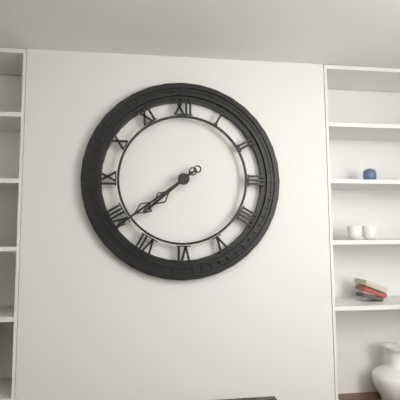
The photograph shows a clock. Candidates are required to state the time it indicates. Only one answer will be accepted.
7:39
